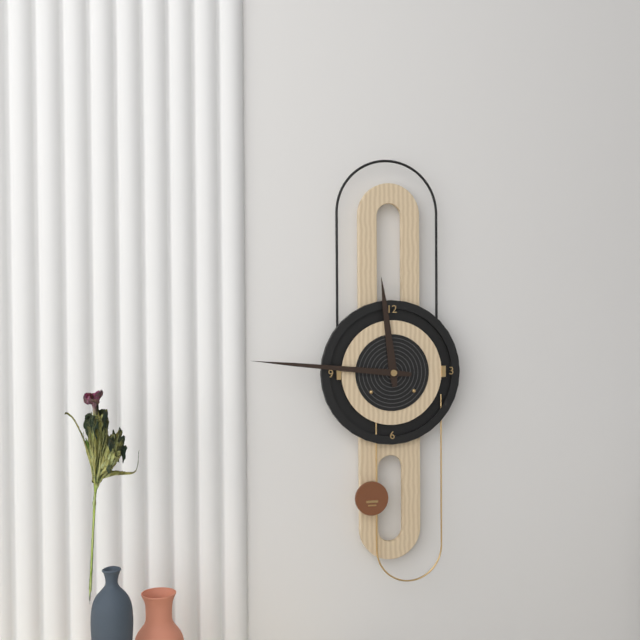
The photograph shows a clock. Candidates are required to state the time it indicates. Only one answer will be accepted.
11:46
